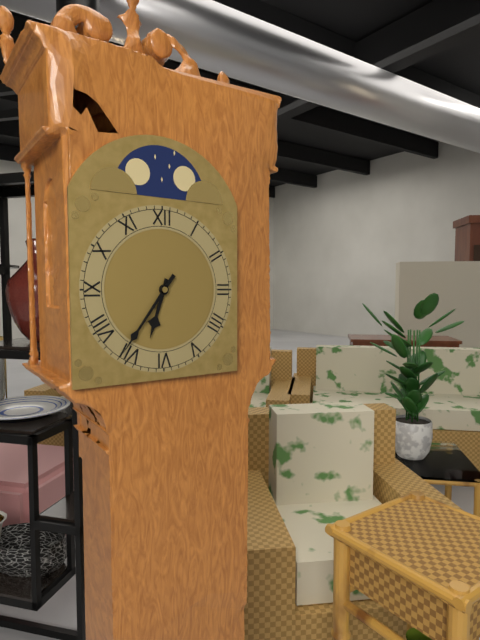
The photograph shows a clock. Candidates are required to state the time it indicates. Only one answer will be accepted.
6:36
